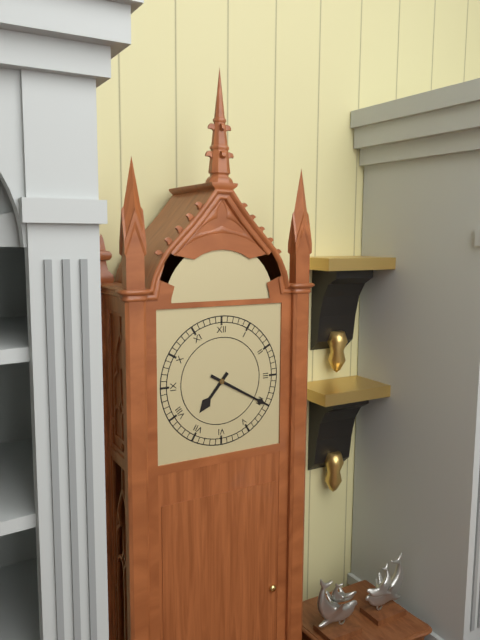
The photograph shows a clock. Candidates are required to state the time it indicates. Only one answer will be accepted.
7:20
